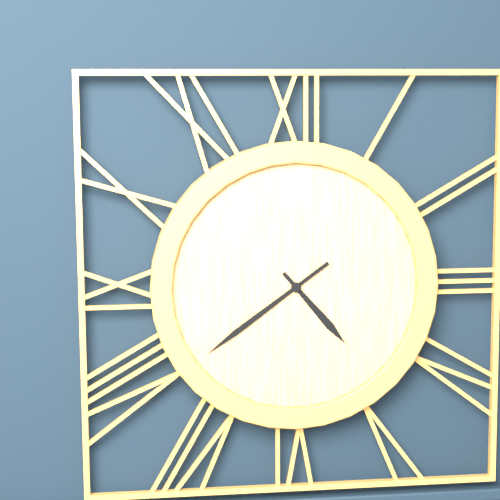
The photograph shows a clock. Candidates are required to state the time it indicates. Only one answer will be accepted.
4:39
